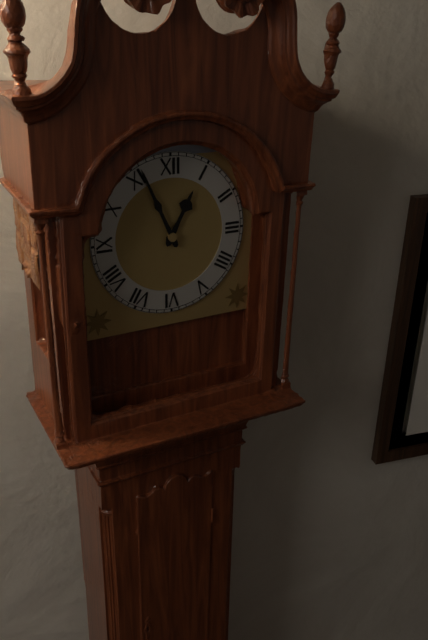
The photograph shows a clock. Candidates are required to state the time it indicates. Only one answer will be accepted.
12:56
